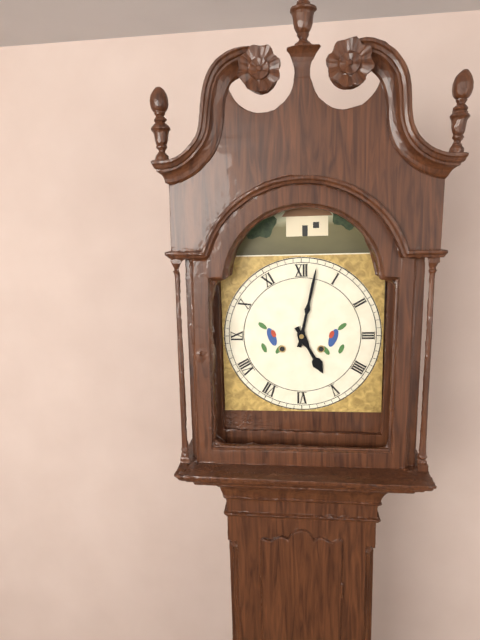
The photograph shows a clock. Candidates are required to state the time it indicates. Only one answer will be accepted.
5:02
